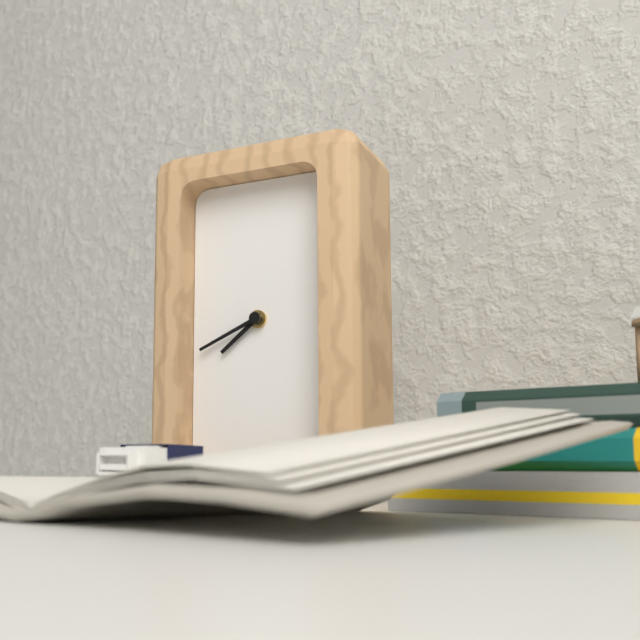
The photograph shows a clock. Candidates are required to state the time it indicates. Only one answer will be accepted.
7:41
